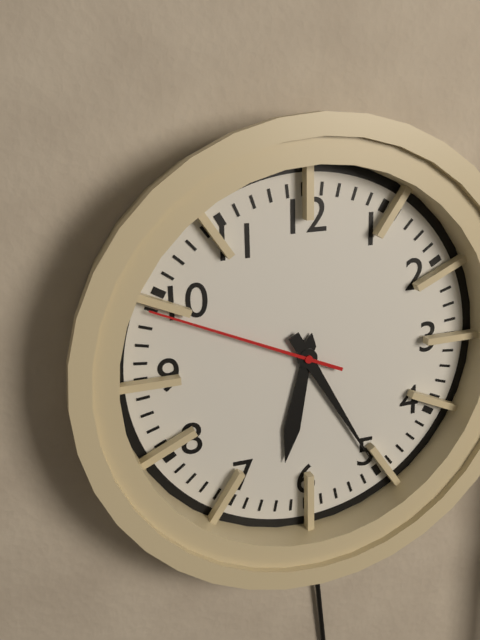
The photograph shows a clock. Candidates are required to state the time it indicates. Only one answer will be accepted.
6:25:49
